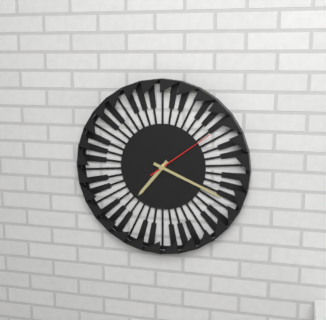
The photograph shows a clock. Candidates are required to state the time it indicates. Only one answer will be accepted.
7:19:09
